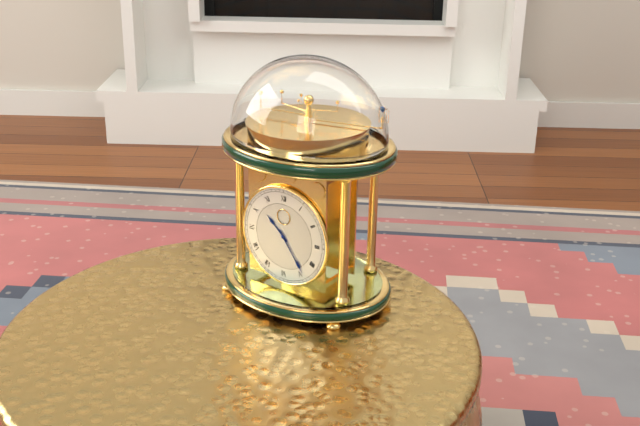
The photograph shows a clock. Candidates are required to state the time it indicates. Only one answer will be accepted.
10:24
